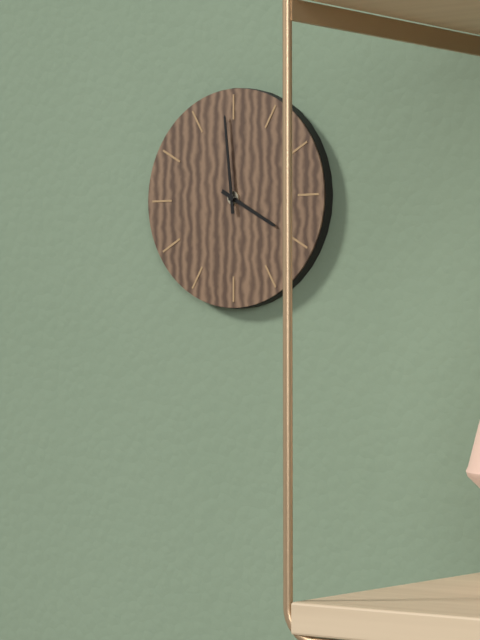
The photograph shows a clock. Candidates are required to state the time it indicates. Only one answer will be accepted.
3:59
